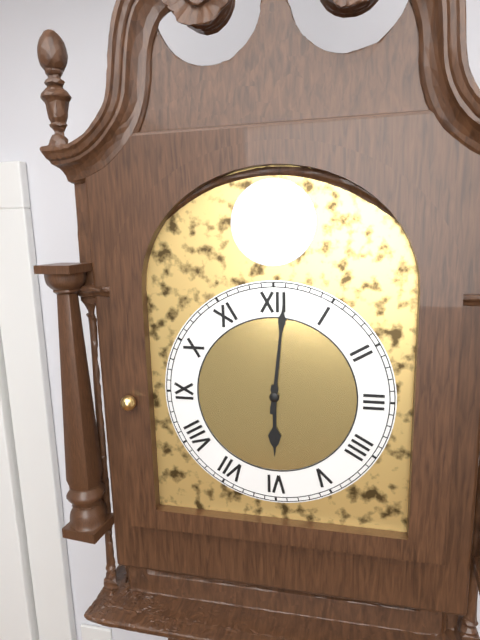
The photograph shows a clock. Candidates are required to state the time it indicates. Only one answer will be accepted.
6:01
